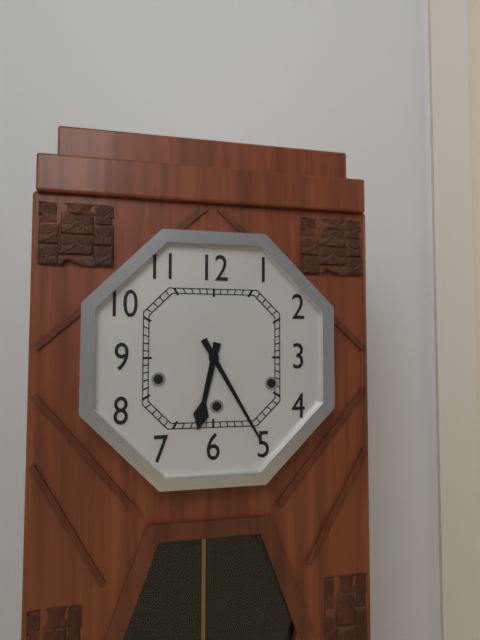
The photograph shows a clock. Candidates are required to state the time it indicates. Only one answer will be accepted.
6:25
